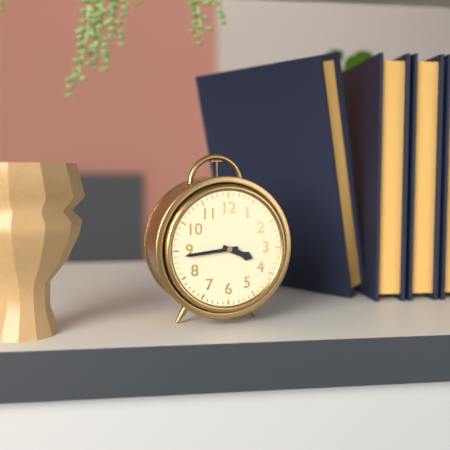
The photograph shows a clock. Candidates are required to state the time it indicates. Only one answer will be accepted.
3:44
